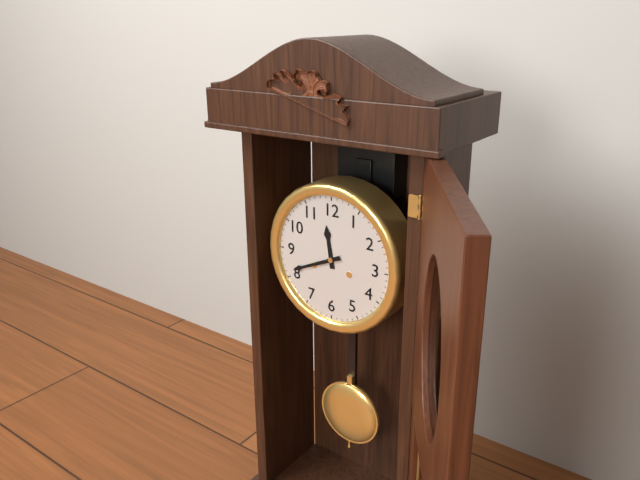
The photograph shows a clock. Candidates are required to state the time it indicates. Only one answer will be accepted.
11:41
